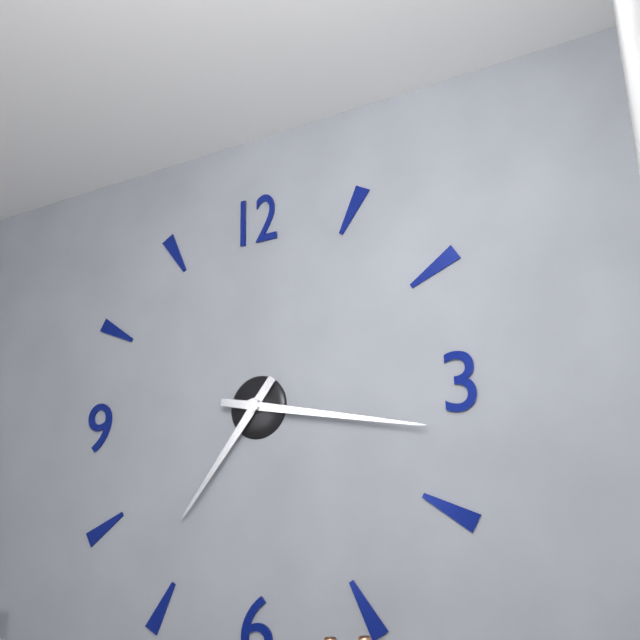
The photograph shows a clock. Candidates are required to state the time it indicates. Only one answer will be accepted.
7:17
